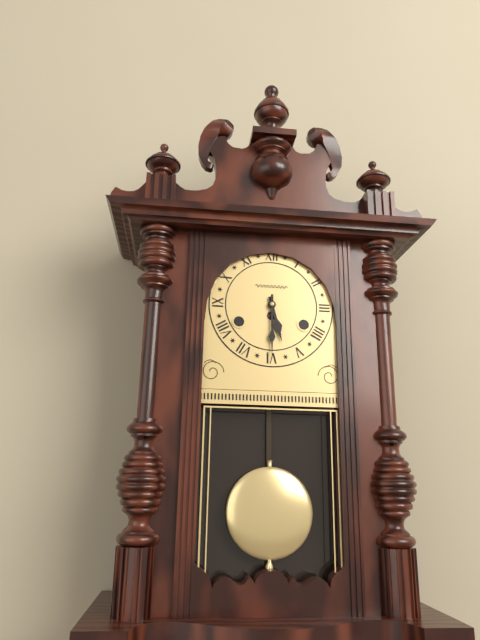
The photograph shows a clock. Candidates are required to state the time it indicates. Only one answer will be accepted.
5:30
